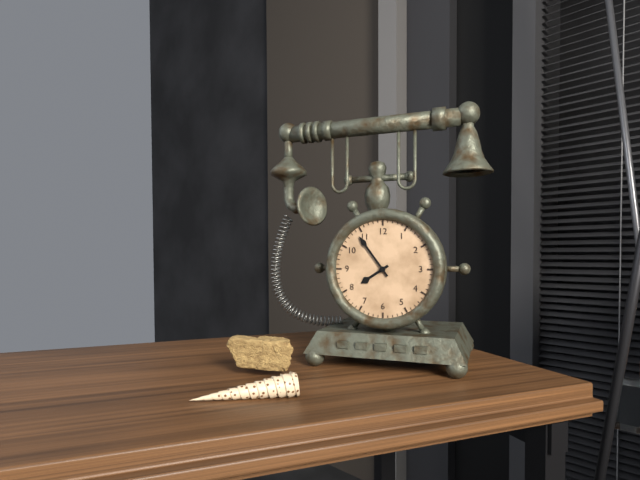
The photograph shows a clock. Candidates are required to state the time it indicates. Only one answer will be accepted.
7:54
